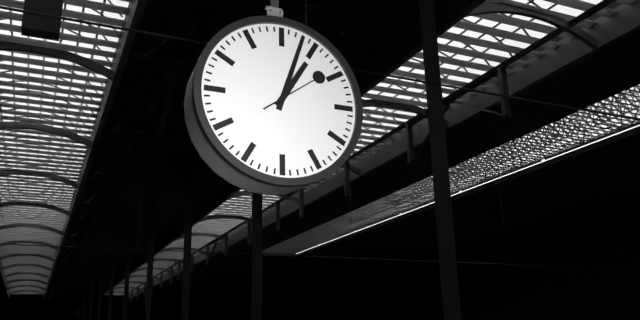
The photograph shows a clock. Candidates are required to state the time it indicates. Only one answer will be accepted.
1:03:09
